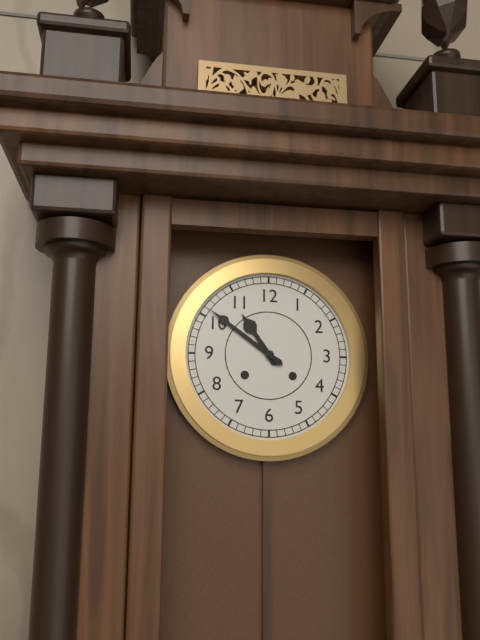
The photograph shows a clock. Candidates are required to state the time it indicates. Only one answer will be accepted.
10:51
